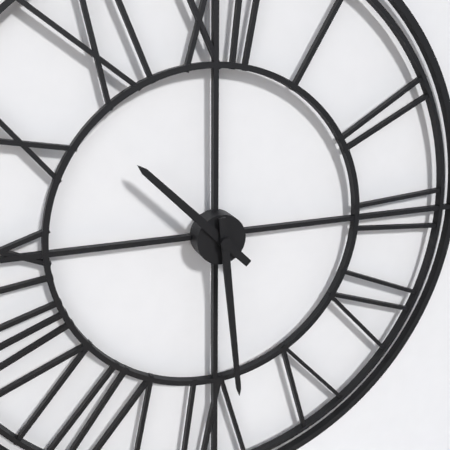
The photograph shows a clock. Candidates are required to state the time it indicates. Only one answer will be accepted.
10:29
